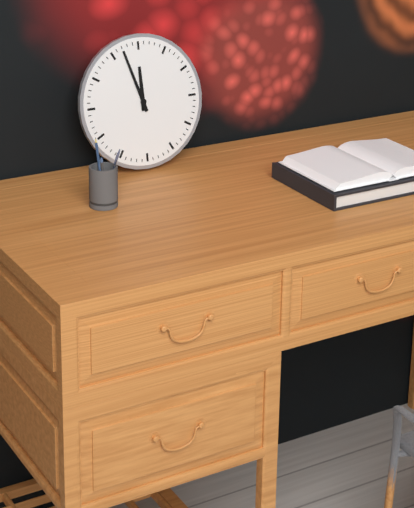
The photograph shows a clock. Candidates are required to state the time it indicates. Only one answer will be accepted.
11:57
